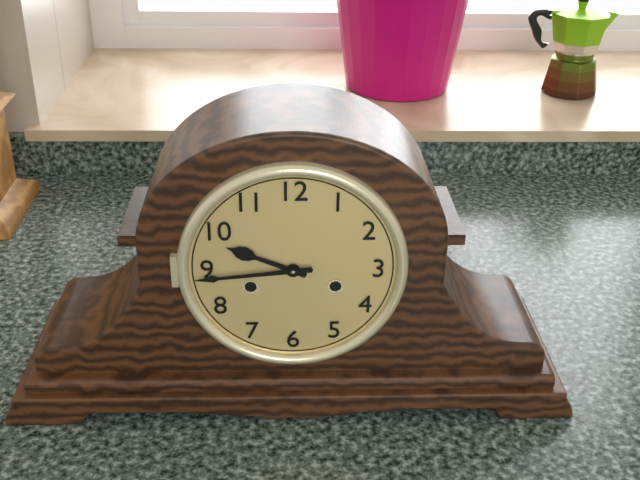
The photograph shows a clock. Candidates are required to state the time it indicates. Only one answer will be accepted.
9:44
